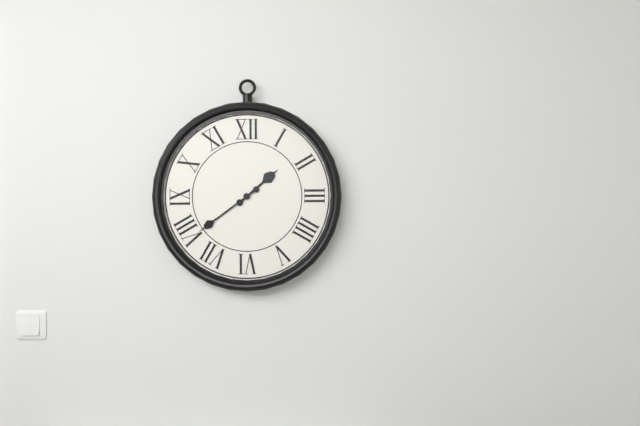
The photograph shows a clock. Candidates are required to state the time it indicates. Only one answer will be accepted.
1:39
